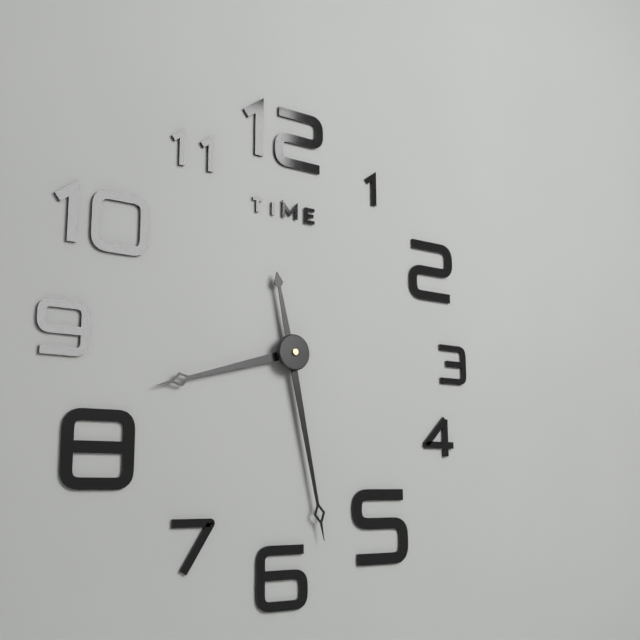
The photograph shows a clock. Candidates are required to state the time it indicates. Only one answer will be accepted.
8:28
